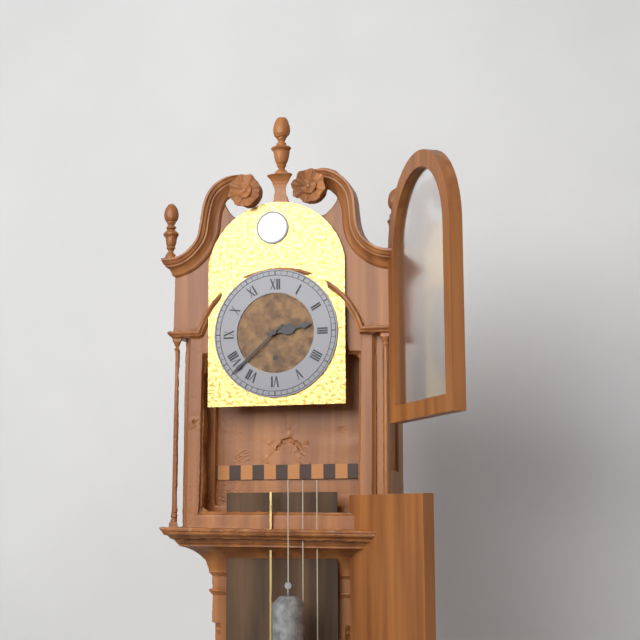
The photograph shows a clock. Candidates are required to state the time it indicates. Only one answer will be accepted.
2:38
